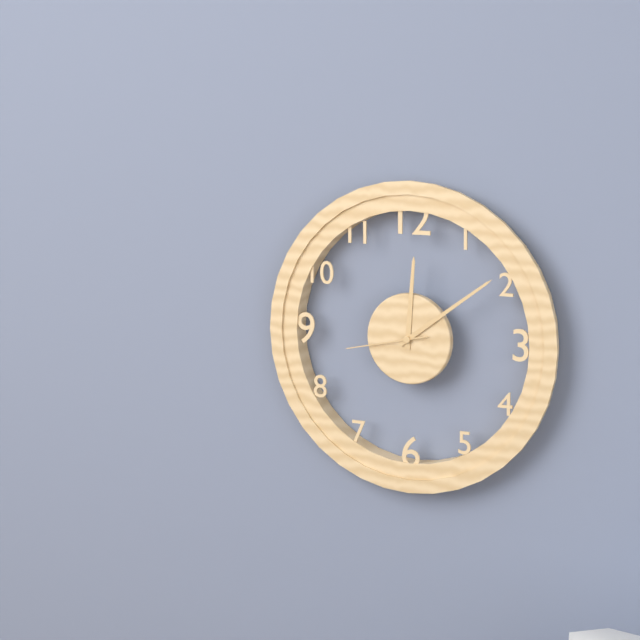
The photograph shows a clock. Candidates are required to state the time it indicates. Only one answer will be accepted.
12:09:43
